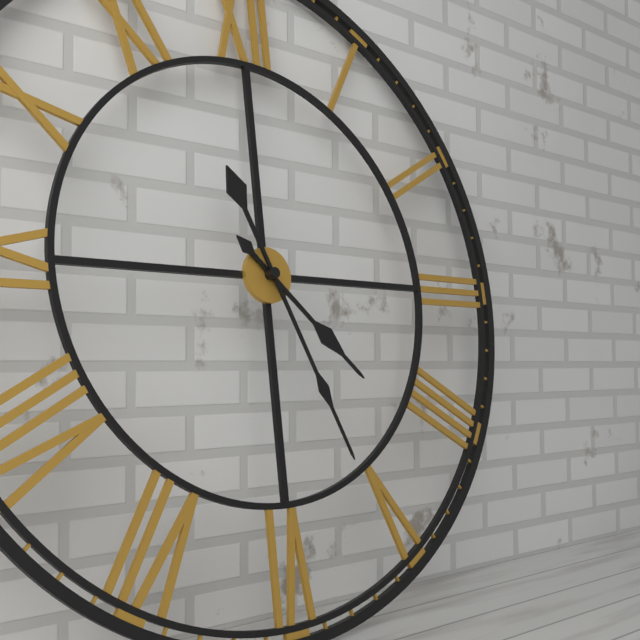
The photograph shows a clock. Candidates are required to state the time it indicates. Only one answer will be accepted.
4:26
